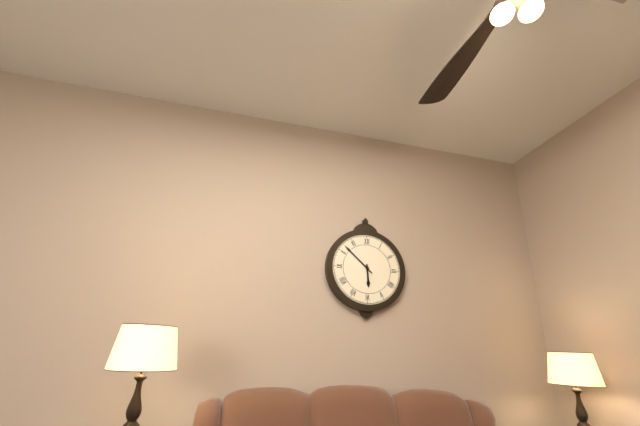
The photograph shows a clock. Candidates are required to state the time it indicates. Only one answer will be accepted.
5:52
